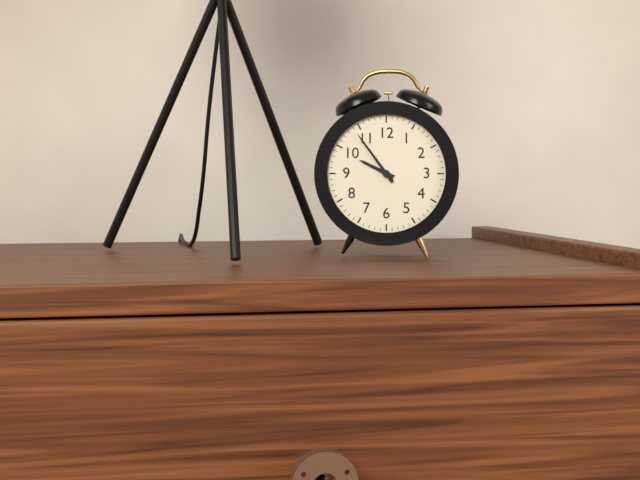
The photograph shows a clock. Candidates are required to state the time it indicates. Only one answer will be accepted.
9:54
